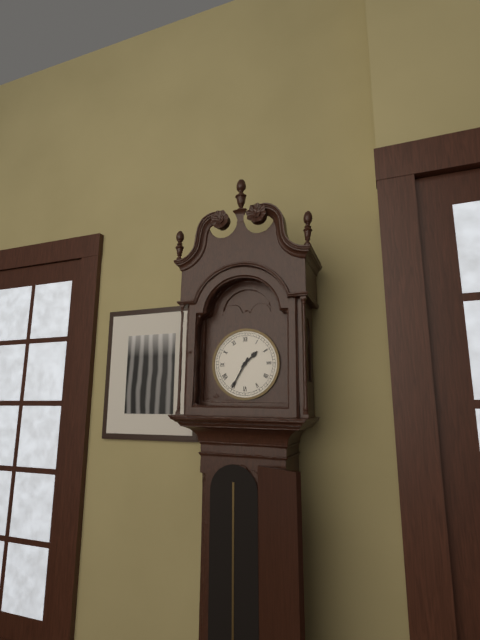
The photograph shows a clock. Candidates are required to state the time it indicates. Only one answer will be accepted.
1:35
